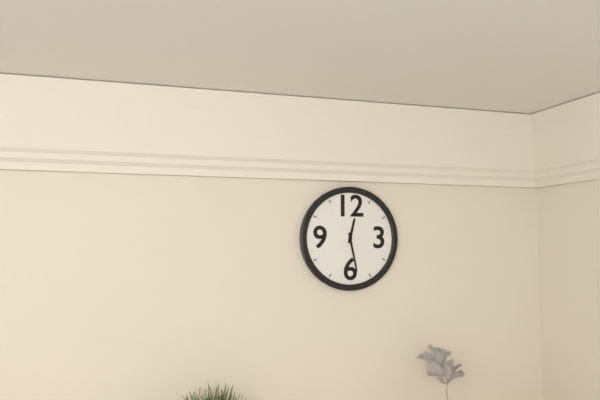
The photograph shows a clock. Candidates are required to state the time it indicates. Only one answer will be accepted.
12:28
